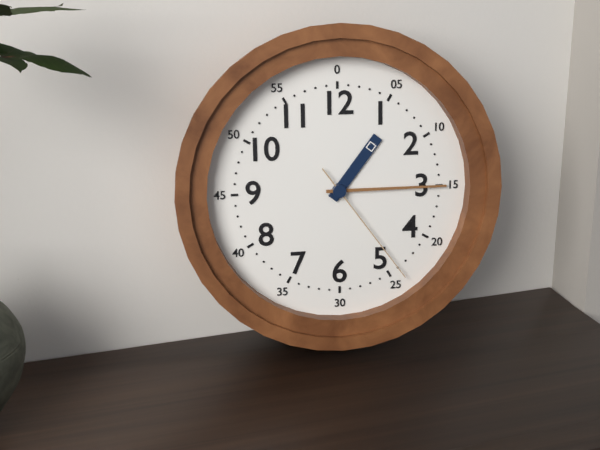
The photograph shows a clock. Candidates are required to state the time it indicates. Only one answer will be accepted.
1:15:24
